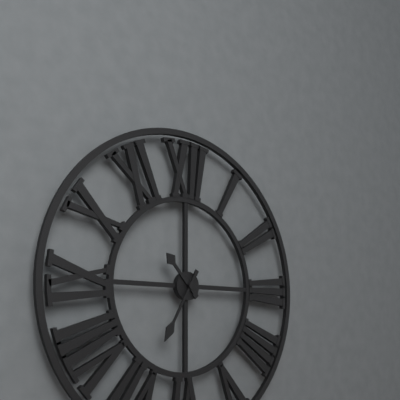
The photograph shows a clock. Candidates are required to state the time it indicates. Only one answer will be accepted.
10:35
